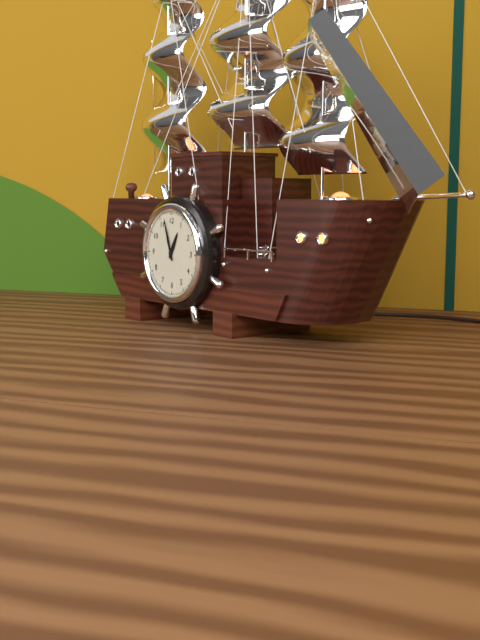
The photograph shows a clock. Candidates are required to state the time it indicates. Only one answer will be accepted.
12:57
